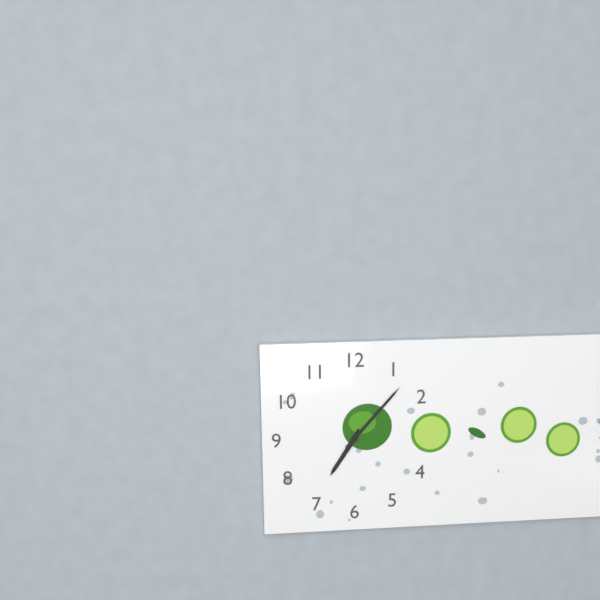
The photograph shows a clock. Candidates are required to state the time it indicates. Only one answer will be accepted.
7:07
